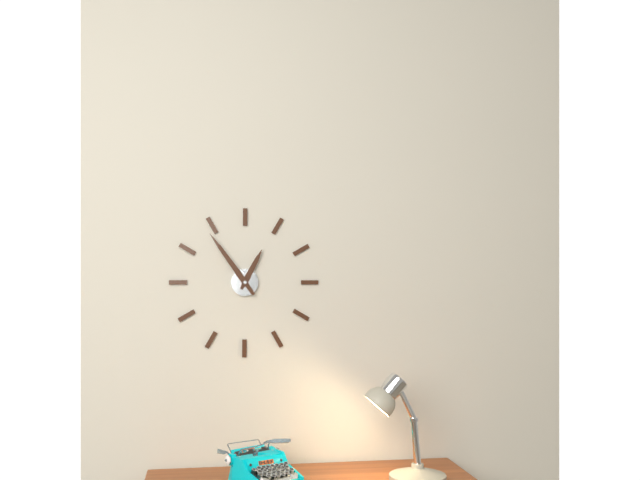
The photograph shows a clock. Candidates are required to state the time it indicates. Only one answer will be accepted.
12:54
